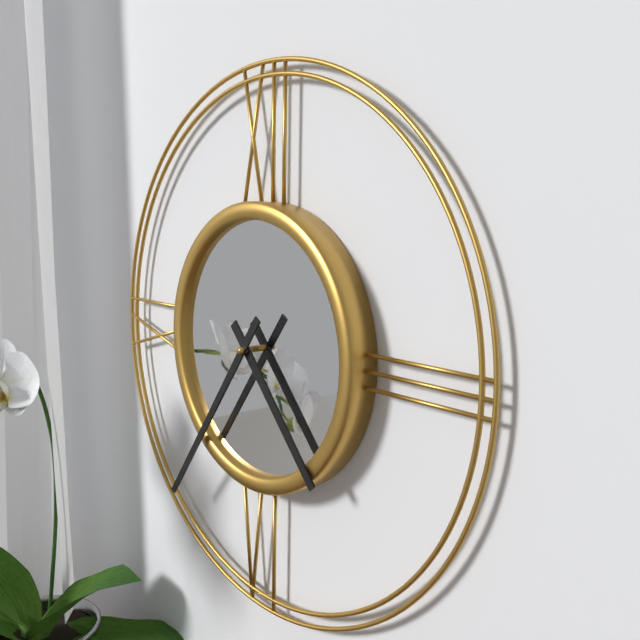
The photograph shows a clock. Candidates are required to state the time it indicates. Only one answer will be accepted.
4:36
